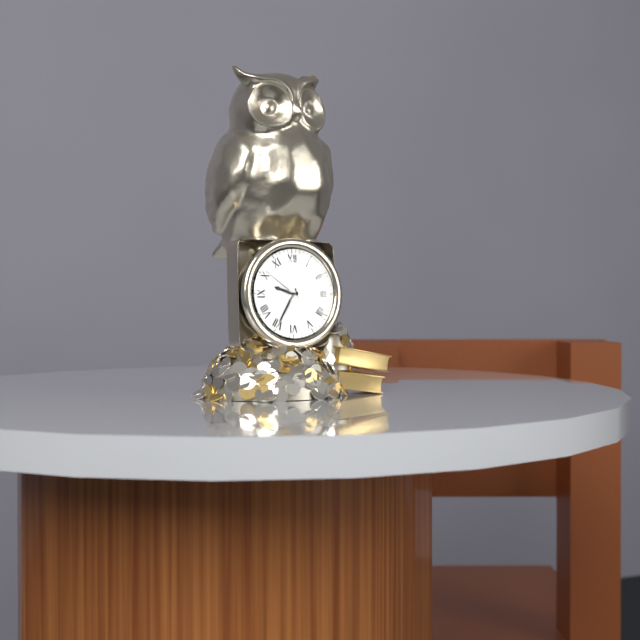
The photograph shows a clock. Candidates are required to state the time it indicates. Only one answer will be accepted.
9:35
